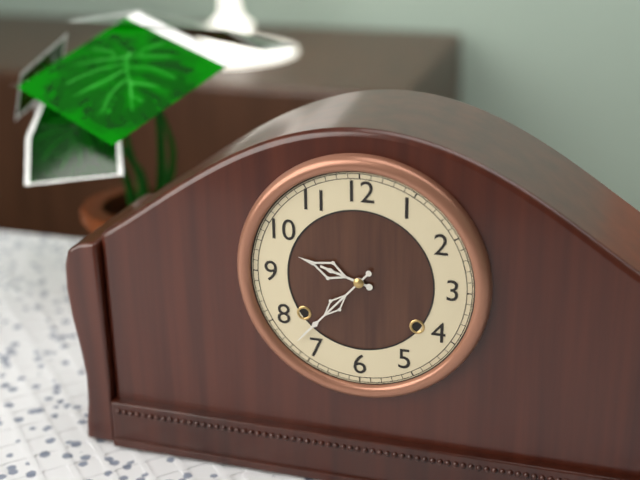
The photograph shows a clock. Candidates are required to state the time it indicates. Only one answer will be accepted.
9:37
